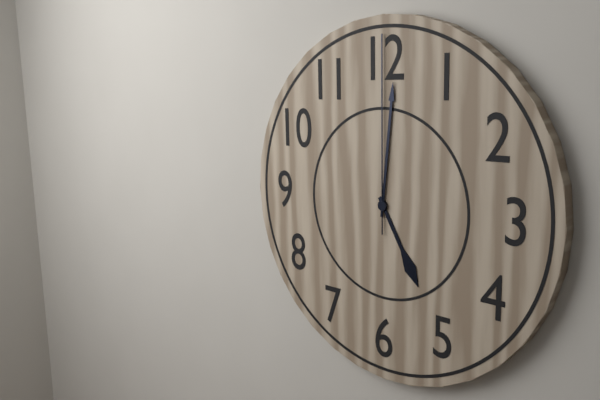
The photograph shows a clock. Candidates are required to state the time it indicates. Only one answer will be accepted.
5:01:00
